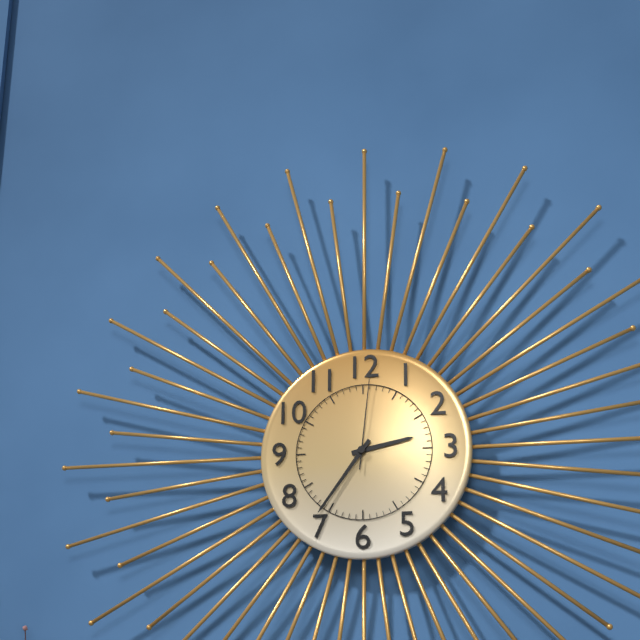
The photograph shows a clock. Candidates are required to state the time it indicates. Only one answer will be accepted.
2:36:01
